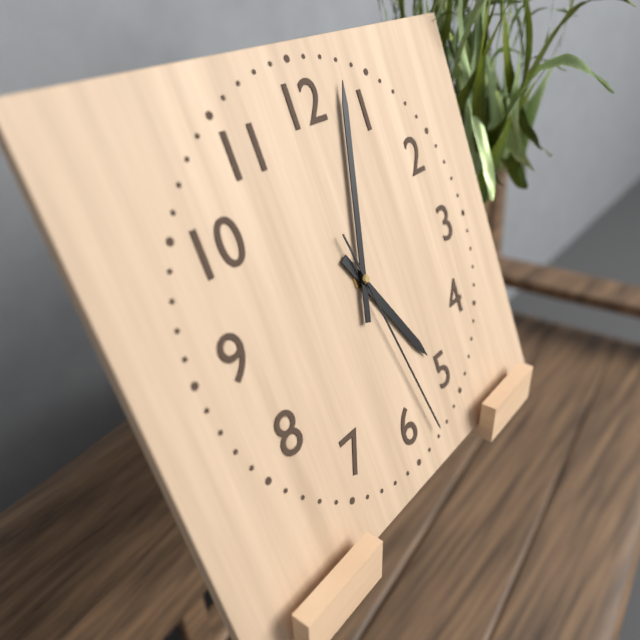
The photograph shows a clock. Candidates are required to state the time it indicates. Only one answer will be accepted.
5:03:28
